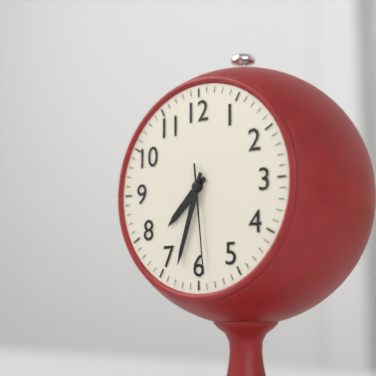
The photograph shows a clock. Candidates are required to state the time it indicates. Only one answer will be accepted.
7:33:29
